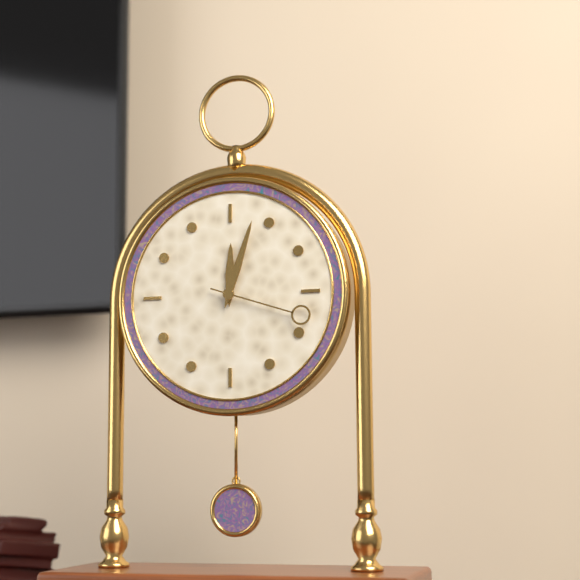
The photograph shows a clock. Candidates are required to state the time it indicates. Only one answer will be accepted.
12:03:18
